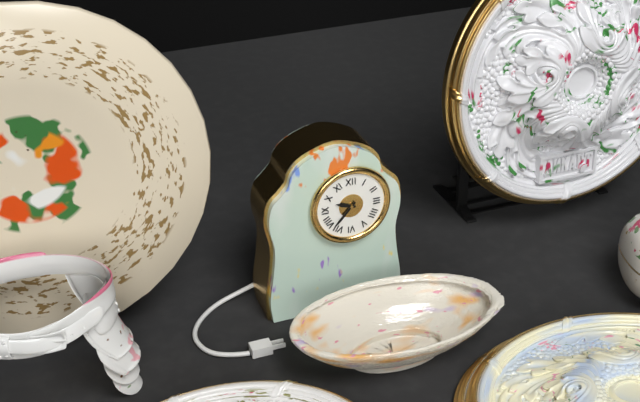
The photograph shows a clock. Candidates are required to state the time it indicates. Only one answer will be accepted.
9:37
